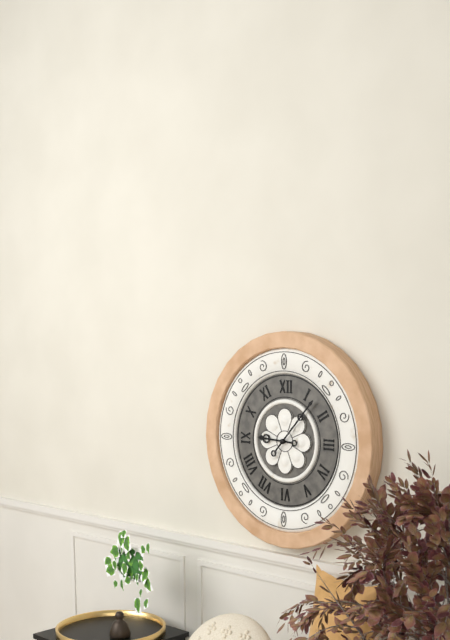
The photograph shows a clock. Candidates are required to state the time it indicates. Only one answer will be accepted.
9:07
